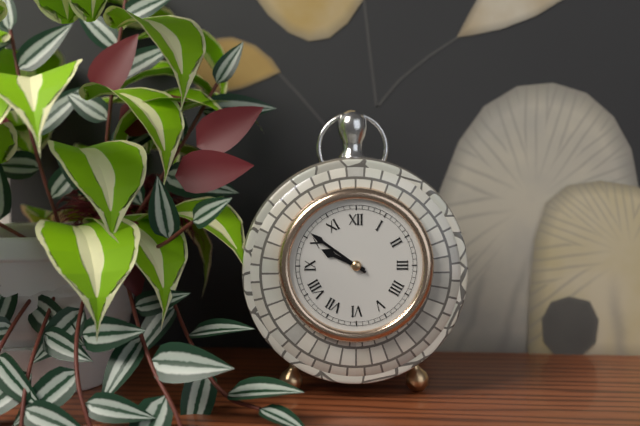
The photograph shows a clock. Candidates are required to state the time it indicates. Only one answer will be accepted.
9:51
